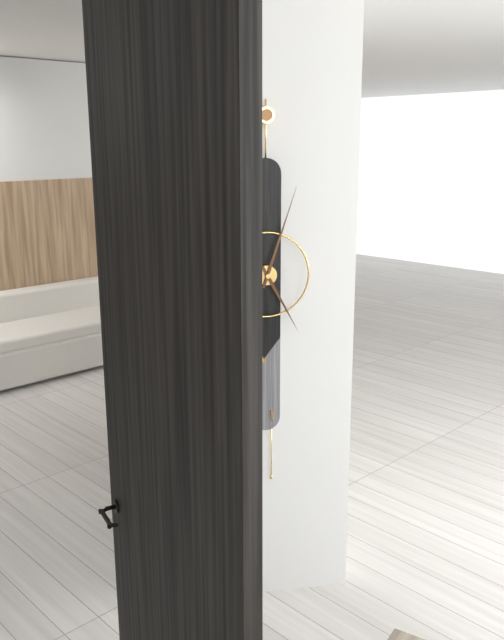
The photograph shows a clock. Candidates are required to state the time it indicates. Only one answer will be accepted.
5:03
